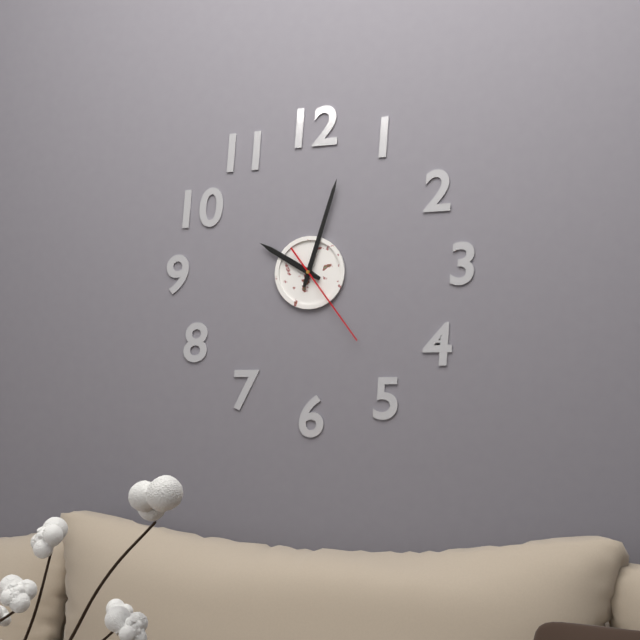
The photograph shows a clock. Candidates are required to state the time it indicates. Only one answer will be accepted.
10:03:24
